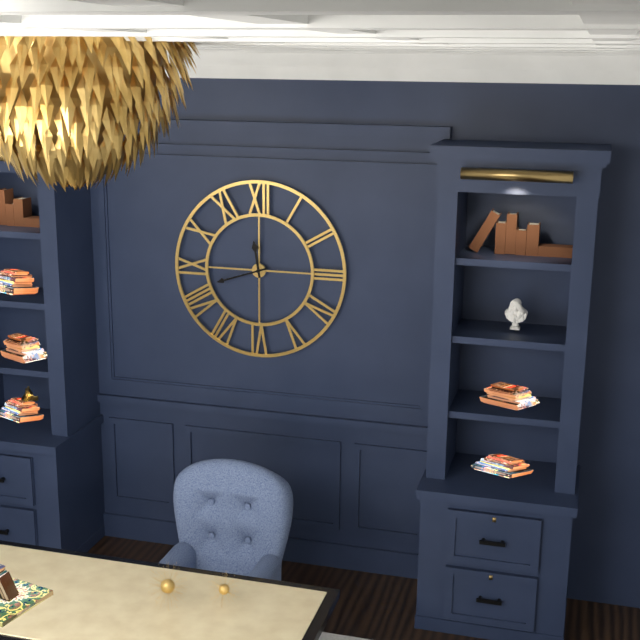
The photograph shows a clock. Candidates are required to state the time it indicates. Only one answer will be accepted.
11:42
